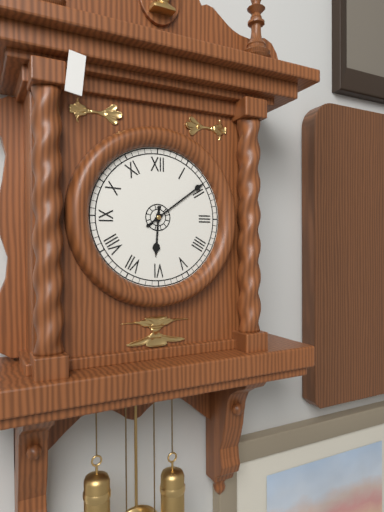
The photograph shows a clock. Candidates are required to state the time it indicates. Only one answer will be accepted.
6:09
